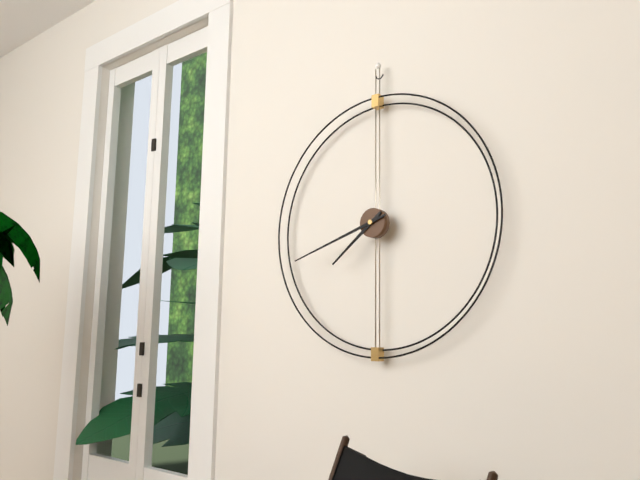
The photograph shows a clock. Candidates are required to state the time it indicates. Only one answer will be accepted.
7:42
